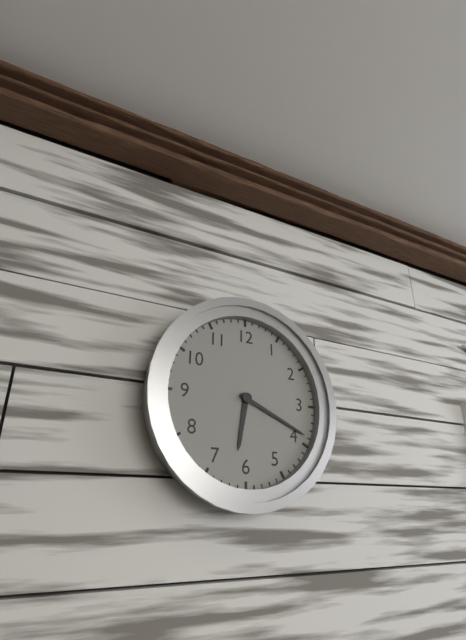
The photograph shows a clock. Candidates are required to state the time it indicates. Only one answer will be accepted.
6:19
